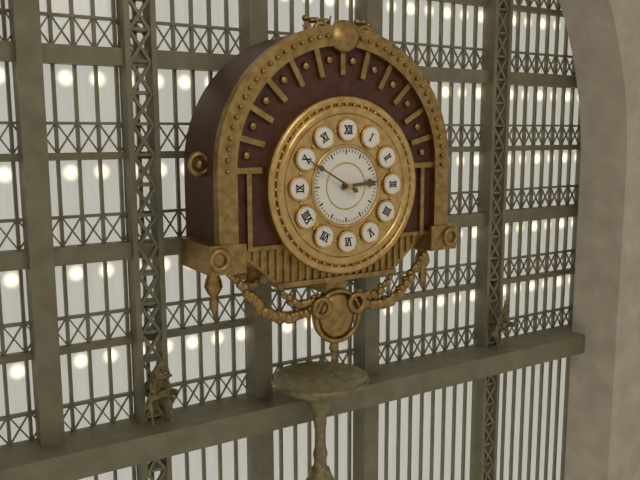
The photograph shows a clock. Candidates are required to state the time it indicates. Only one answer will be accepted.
2:50
